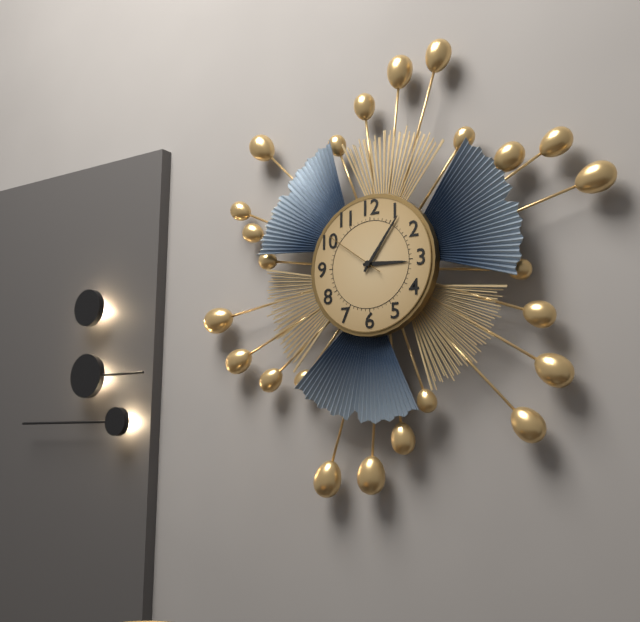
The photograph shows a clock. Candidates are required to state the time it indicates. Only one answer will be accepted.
3:06:51
